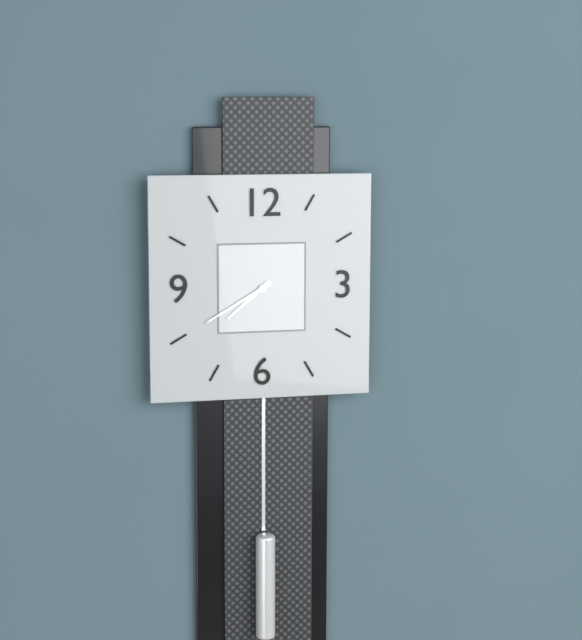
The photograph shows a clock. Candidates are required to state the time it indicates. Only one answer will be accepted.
7:40
